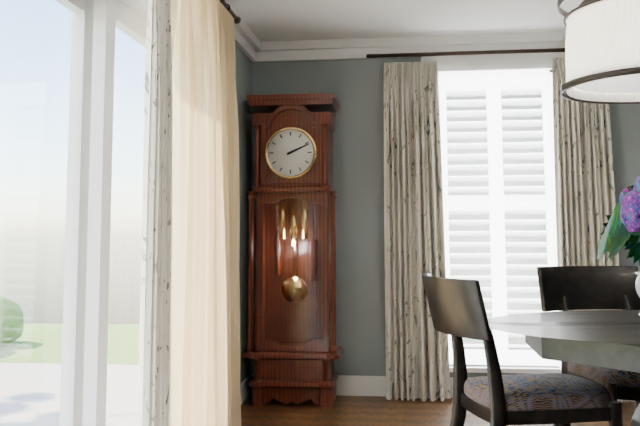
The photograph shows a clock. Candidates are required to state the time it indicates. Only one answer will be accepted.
2:11
